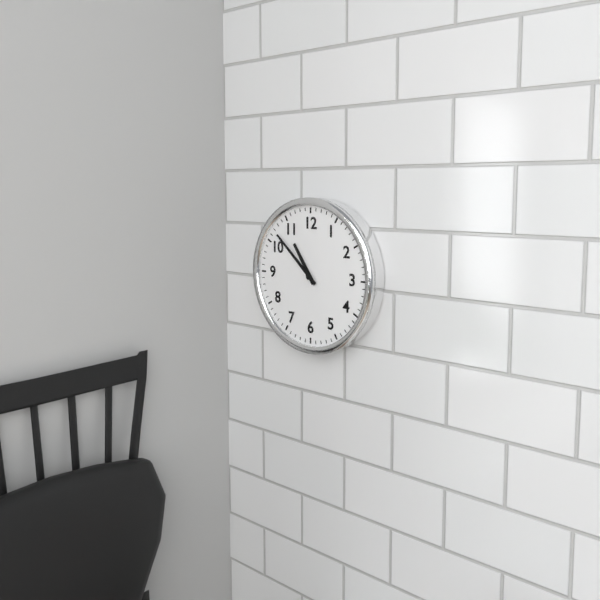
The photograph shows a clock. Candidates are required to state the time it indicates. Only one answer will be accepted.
10:52
